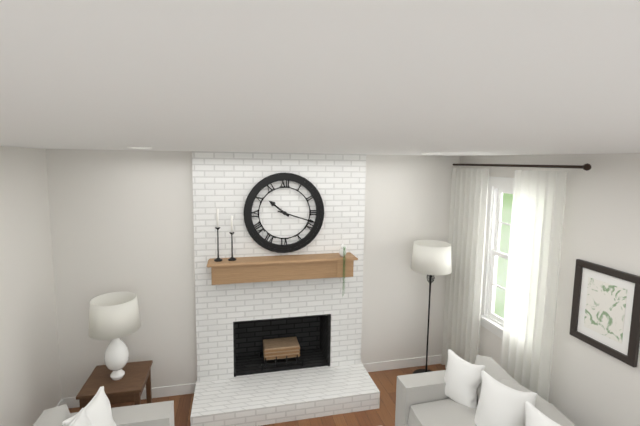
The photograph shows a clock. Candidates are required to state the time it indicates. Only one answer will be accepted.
10:18
